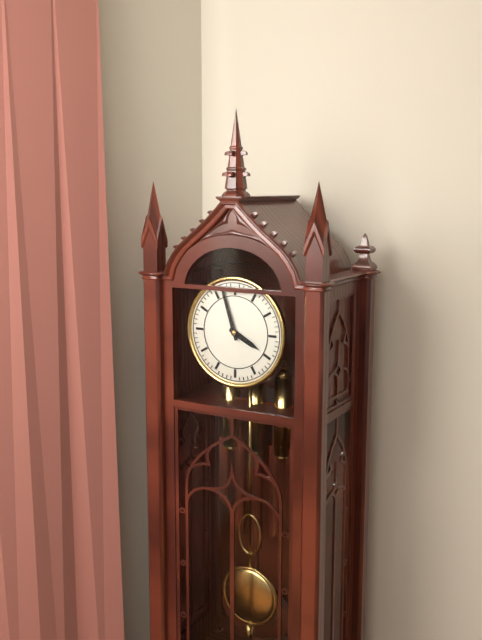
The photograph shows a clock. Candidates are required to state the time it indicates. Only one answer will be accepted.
3:57
